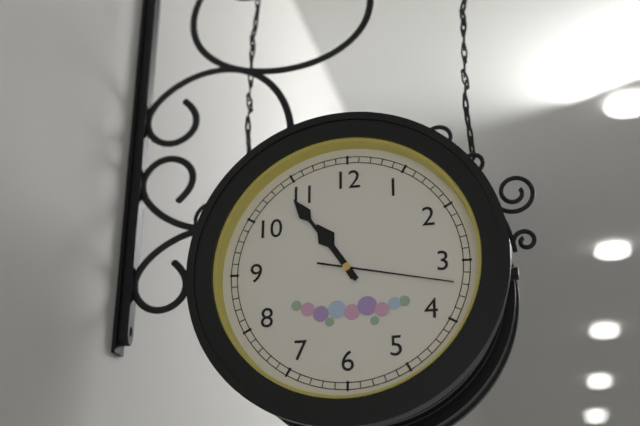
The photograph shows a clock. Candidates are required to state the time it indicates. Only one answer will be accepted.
10:54:17
